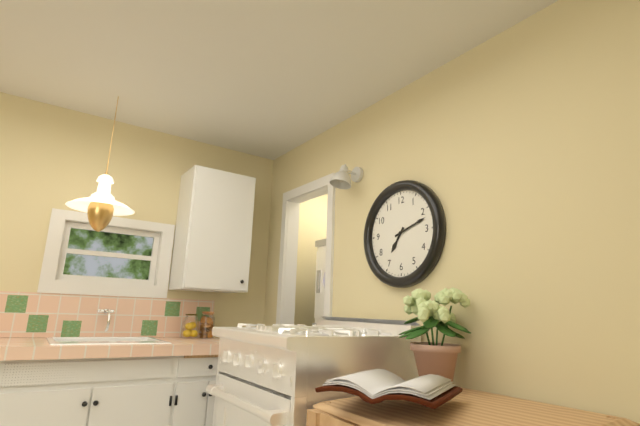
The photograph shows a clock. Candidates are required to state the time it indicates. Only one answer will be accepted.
7:12
